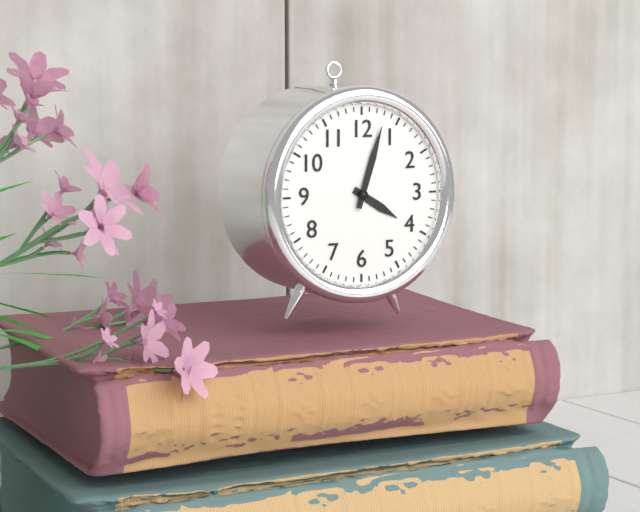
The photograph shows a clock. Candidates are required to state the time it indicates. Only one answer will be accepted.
4:03
